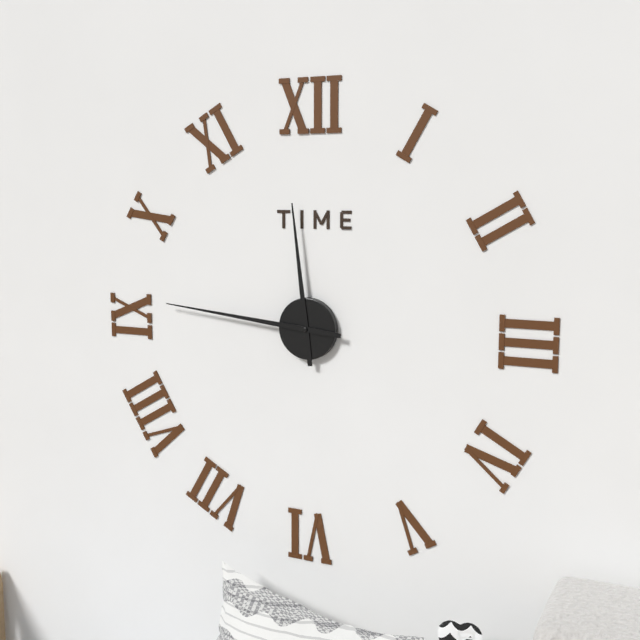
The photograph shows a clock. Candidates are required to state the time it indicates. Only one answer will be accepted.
11:46
